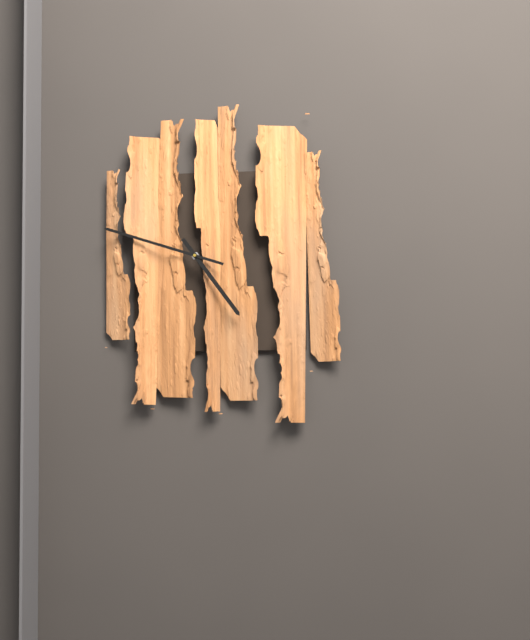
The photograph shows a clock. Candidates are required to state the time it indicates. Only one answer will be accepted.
4:48
